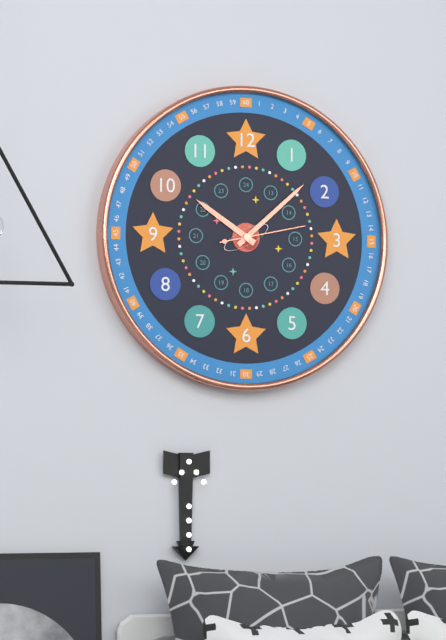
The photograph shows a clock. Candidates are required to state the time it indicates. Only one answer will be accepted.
10:08:13
